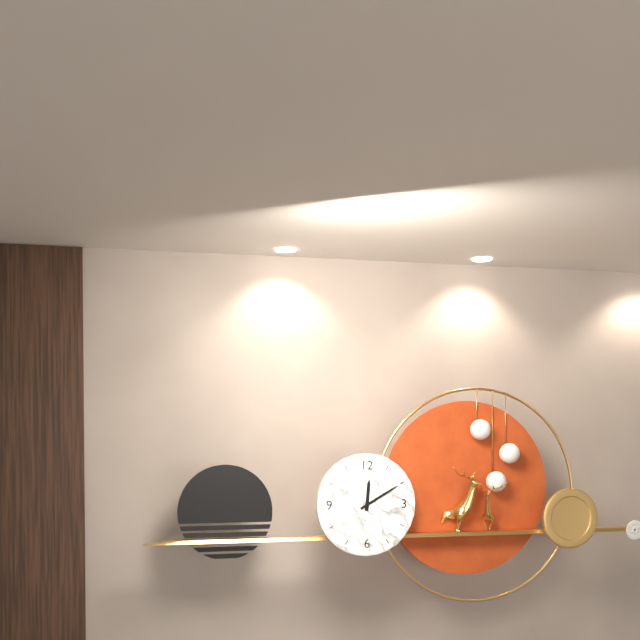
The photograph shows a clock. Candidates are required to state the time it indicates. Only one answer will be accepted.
12:10
